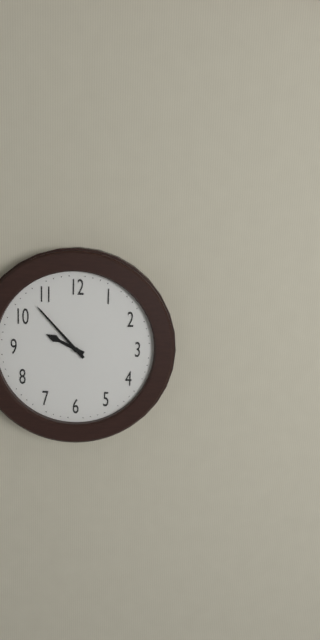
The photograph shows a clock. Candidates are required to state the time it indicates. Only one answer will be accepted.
9:53
